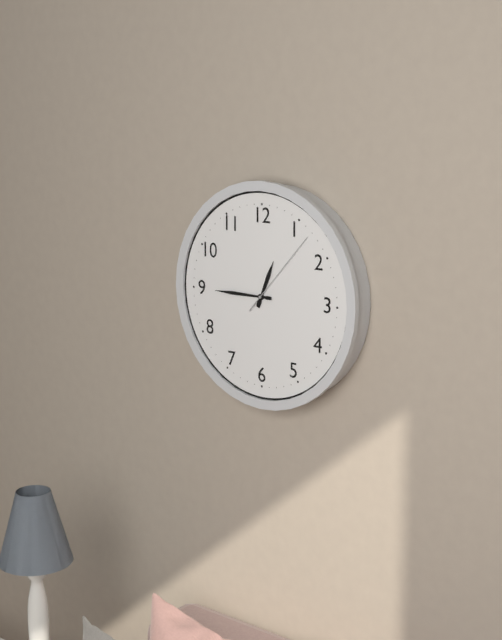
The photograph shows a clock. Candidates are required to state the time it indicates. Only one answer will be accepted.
12:45:07
